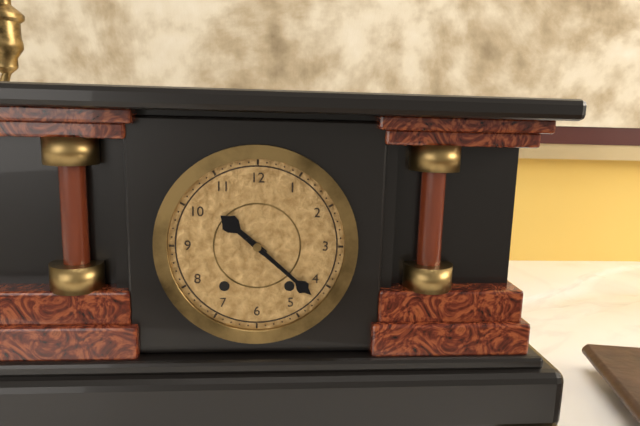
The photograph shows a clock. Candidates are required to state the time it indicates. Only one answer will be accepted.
10:22
